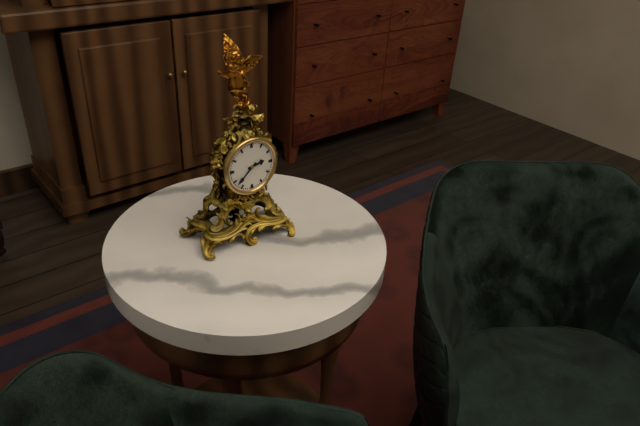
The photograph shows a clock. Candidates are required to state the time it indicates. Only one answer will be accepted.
2:38
